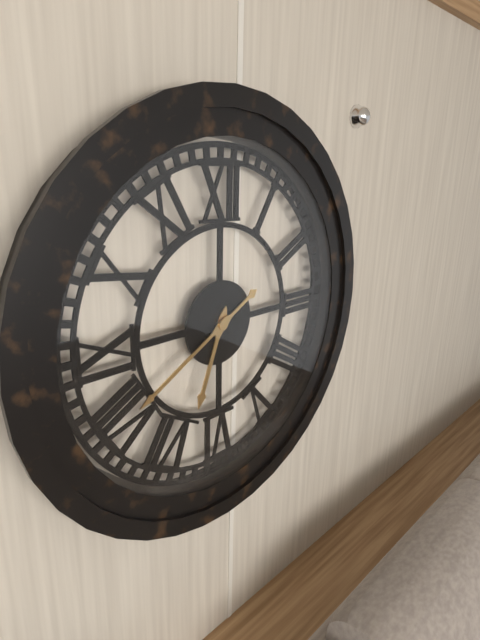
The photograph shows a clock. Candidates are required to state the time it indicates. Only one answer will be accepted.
6:40
